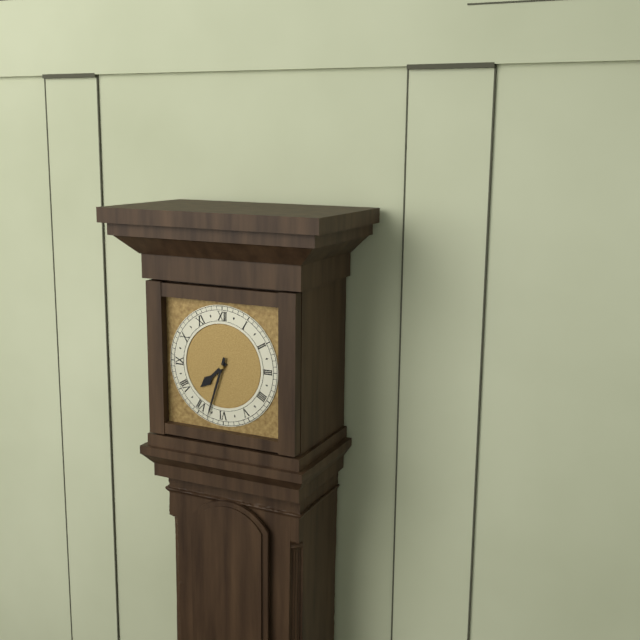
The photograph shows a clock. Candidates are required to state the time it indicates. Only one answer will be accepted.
7:33
